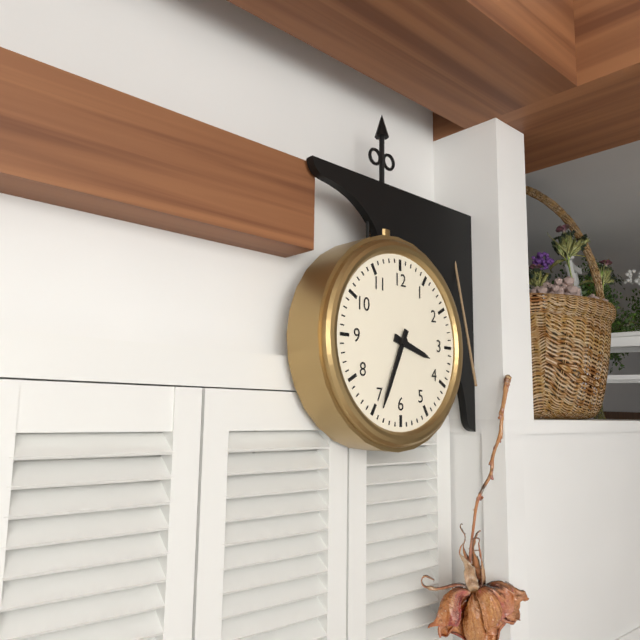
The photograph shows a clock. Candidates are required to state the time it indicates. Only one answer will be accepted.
3:34
